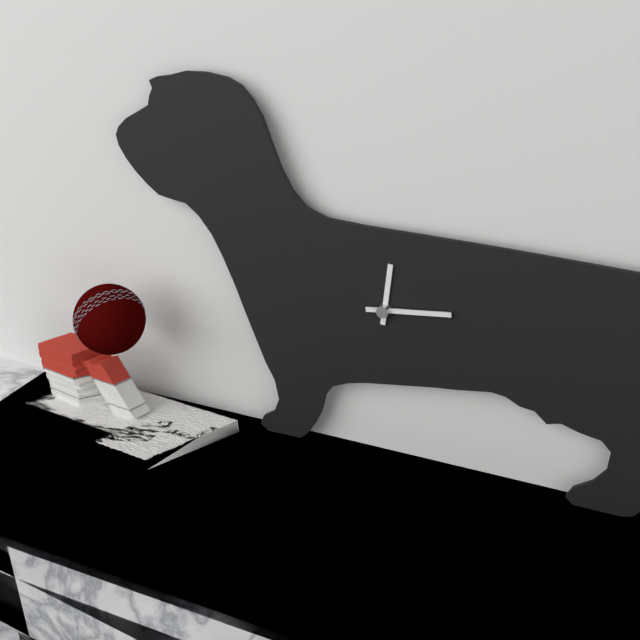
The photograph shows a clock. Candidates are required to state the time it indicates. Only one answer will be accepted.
12:14
